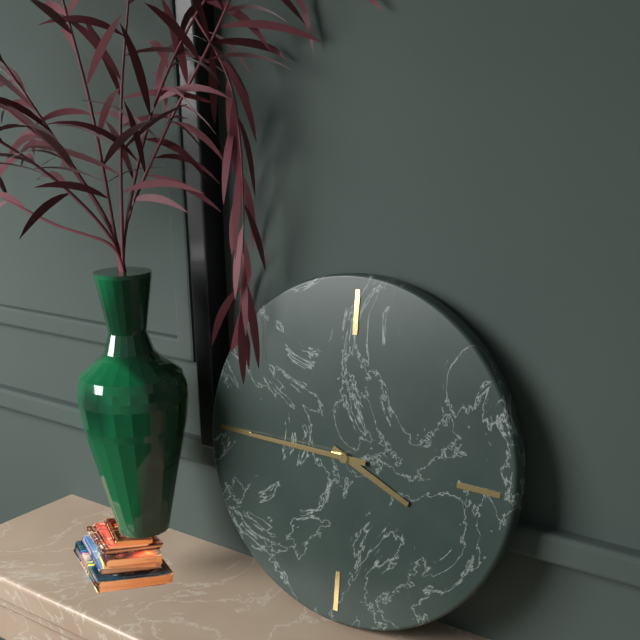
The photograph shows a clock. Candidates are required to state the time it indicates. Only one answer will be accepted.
3:45
